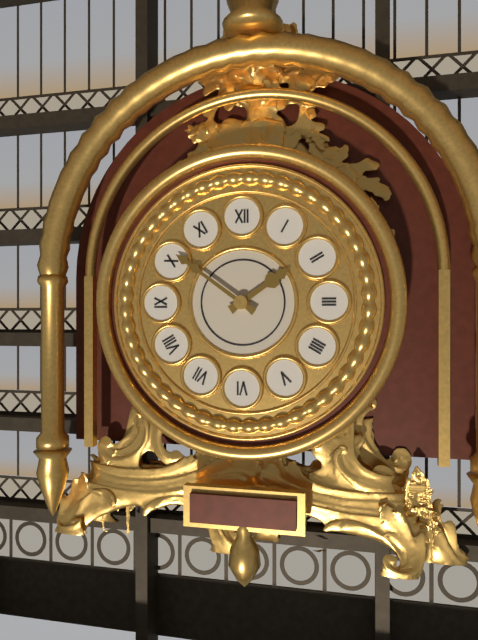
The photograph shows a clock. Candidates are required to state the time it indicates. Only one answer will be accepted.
1:51
